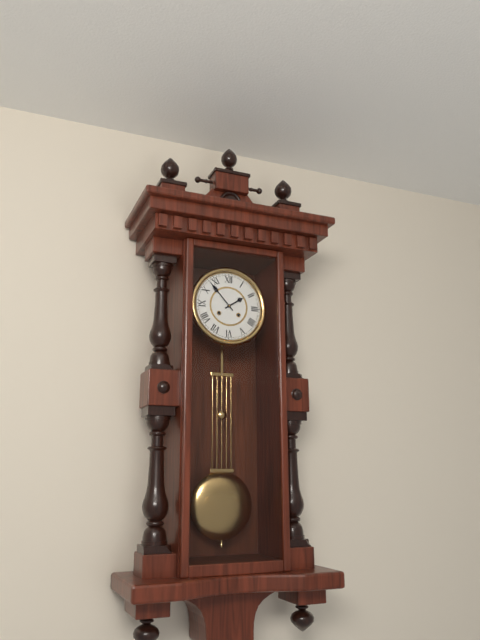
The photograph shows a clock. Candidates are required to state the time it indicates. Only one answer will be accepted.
1:53
